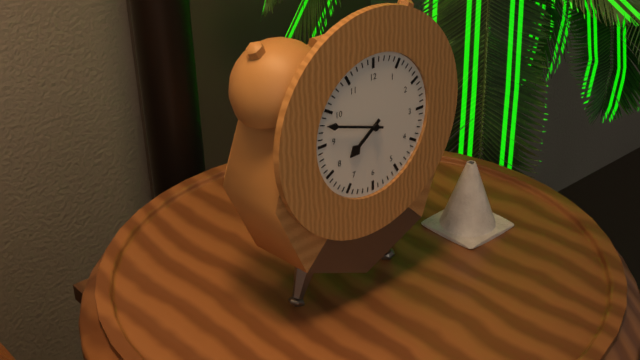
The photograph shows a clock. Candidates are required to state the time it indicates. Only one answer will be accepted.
7:48
